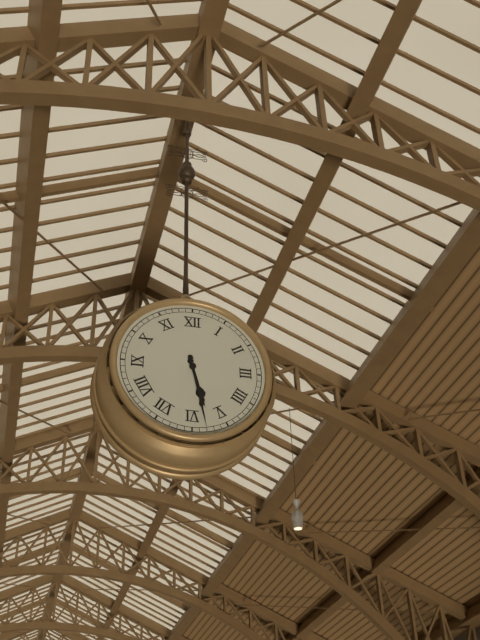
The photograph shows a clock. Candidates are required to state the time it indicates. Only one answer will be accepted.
5:28
